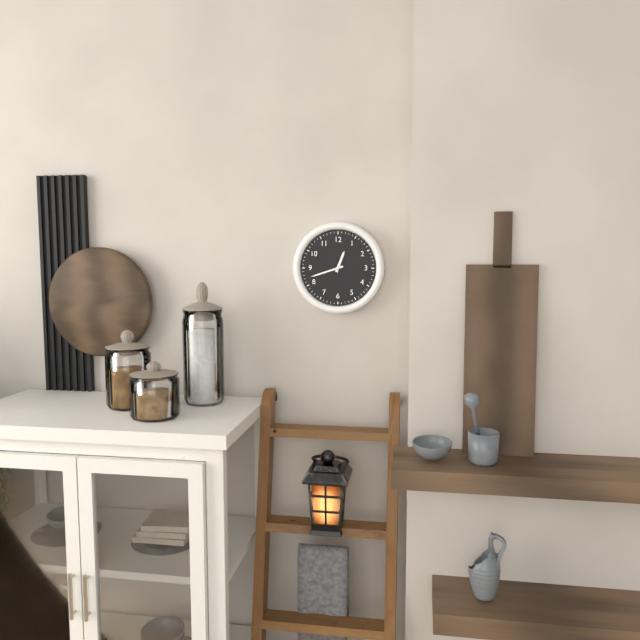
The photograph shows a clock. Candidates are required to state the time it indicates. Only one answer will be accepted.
12:42
